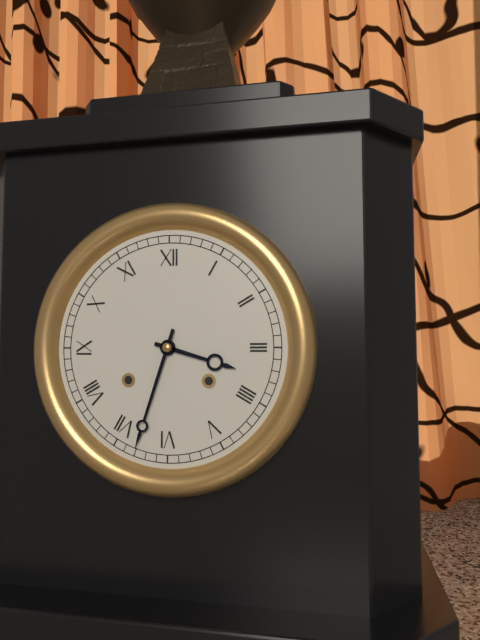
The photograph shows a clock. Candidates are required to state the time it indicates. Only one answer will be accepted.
3:33
